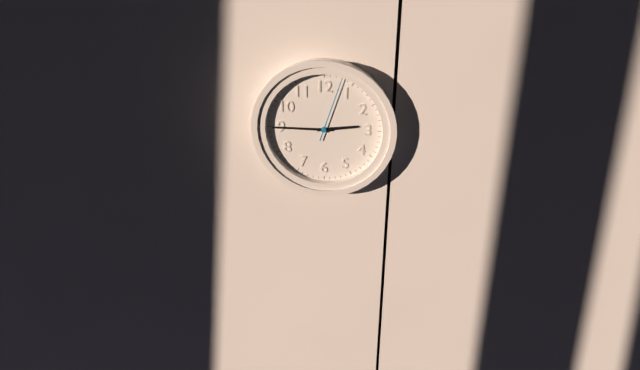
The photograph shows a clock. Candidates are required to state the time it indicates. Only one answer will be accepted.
2:45:03
